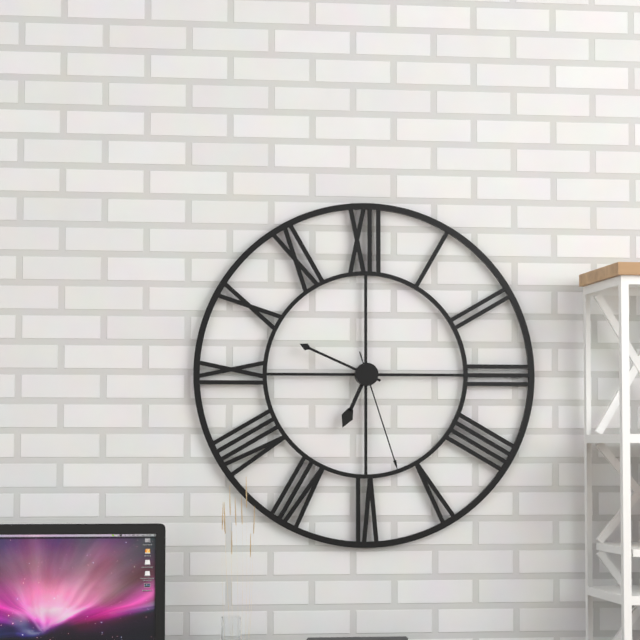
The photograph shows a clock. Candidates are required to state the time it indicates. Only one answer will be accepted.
6:49:27
